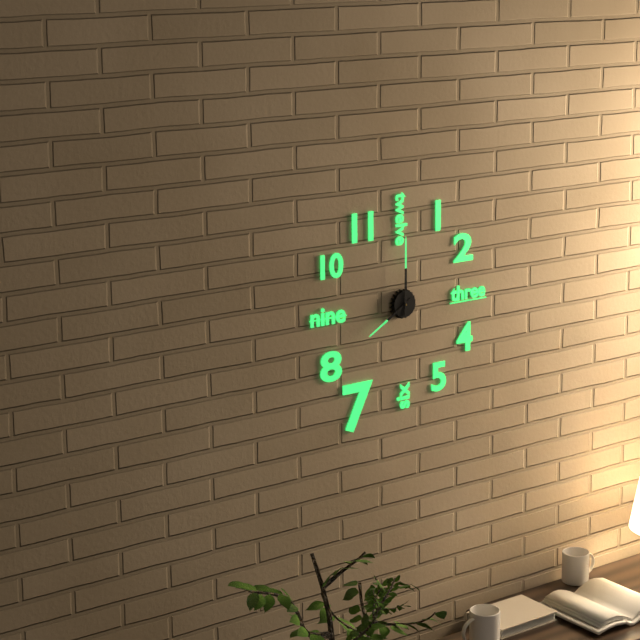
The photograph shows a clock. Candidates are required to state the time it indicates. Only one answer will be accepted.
8:00
